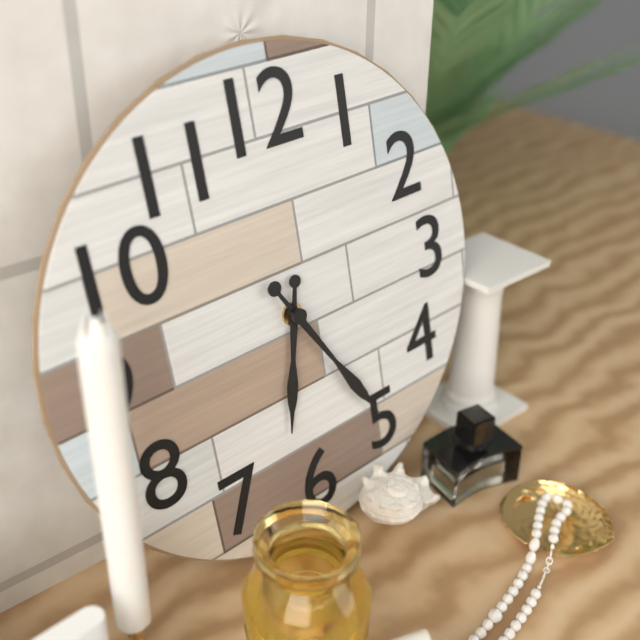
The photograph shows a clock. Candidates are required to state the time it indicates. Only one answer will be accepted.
6:25
